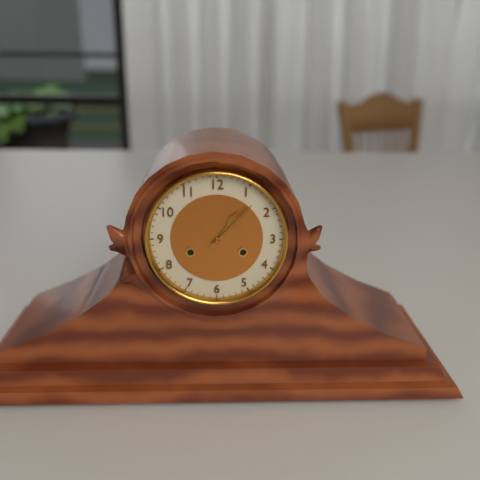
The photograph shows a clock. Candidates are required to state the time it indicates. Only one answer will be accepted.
1:07
